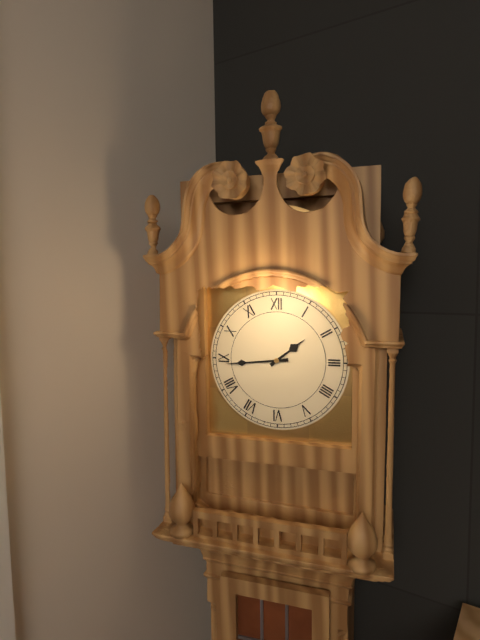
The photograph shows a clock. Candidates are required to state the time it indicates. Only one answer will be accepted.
1:44
